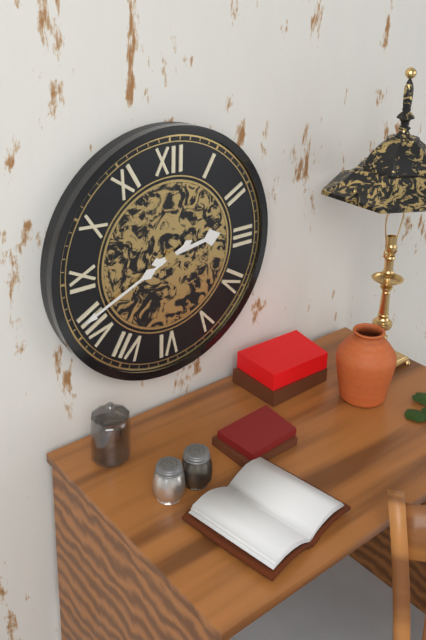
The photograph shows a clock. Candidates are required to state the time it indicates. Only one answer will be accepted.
2:41
